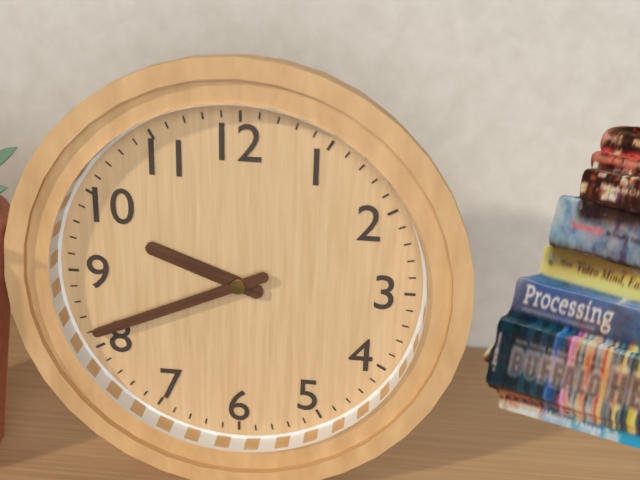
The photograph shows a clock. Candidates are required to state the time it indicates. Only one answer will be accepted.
9:41
